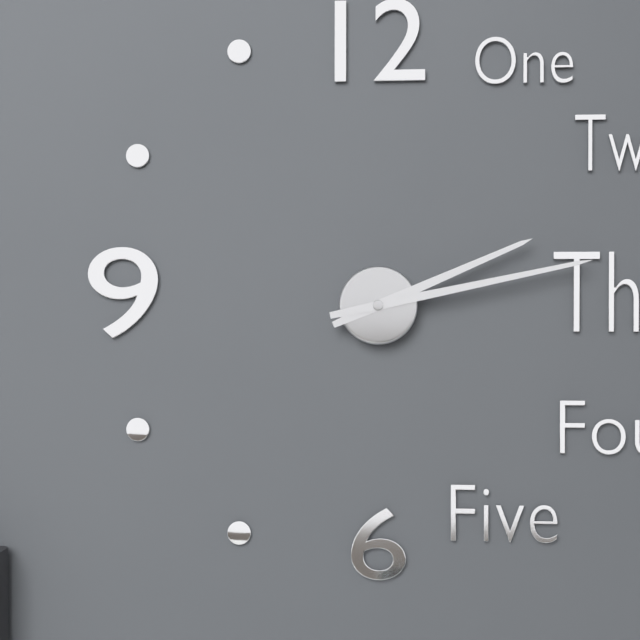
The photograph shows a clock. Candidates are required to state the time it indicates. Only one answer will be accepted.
2:13
